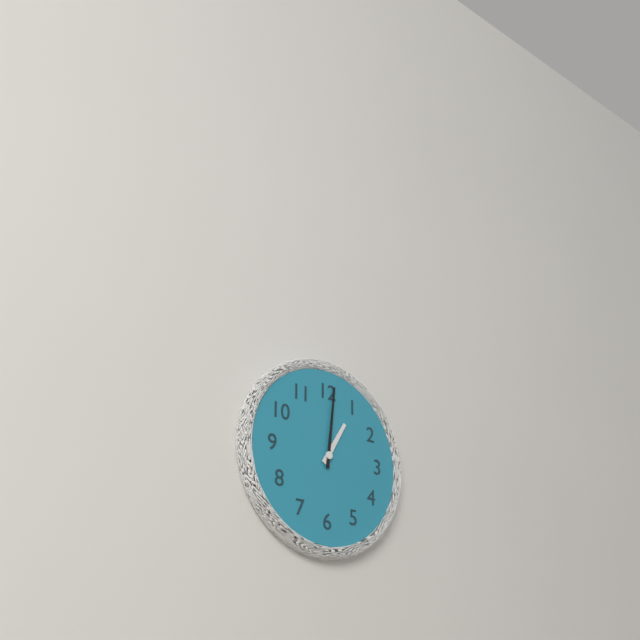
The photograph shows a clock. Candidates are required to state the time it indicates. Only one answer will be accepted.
1:01
